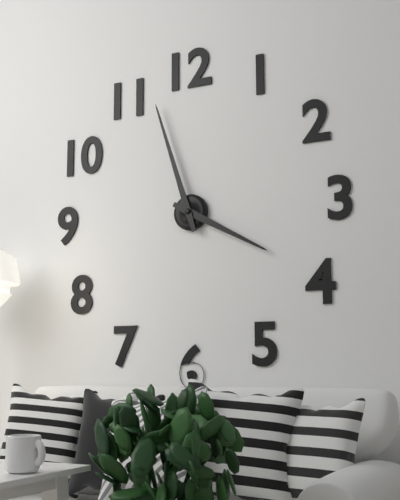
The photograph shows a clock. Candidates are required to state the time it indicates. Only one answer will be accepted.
3:57
